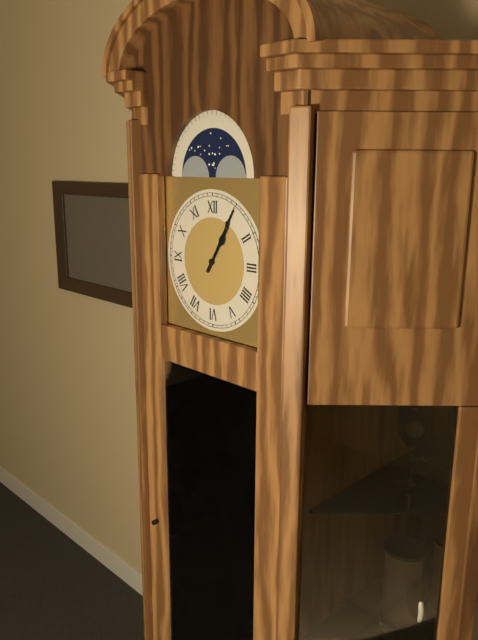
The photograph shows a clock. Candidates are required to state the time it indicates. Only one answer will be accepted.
1:05
